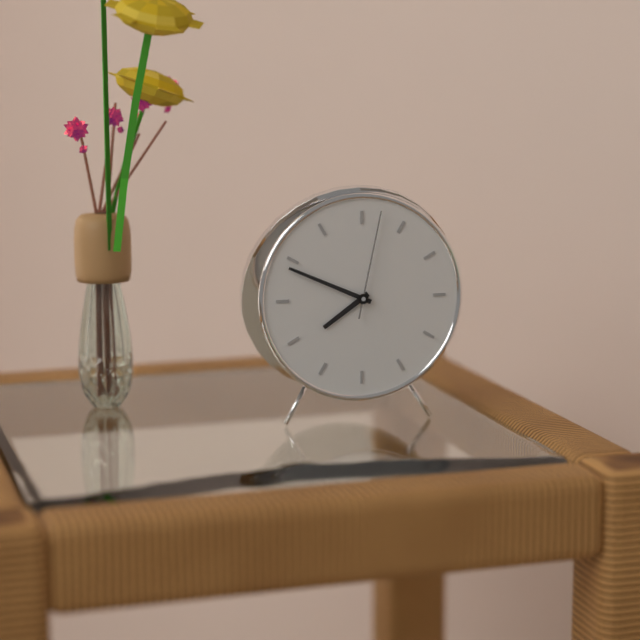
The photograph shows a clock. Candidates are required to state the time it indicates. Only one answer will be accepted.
7:49:02
